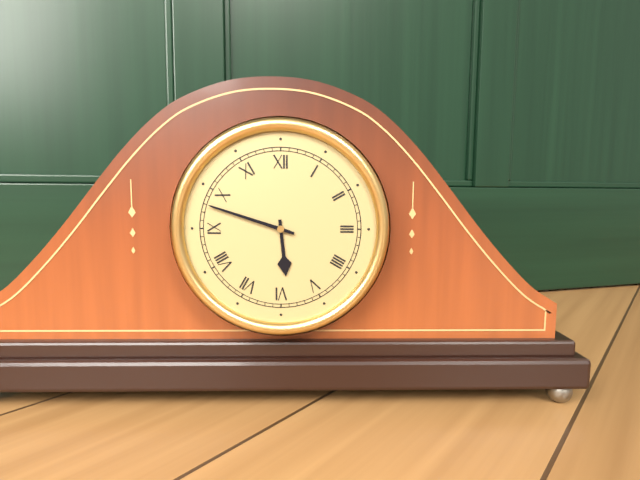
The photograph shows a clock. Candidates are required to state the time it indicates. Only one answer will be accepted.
5:48
